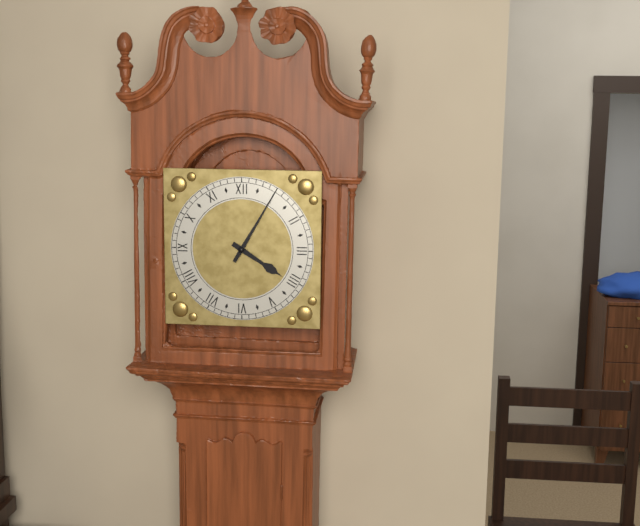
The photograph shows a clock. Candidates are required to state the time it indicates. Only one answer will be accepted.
4:05
